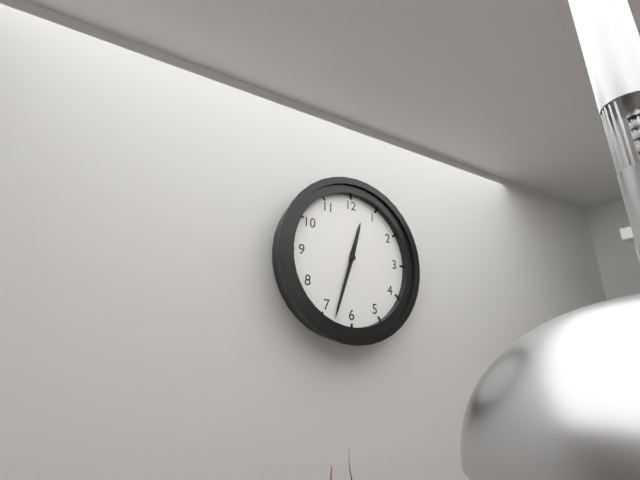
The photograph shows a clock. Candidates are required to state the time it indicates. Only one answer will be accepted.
12:33
